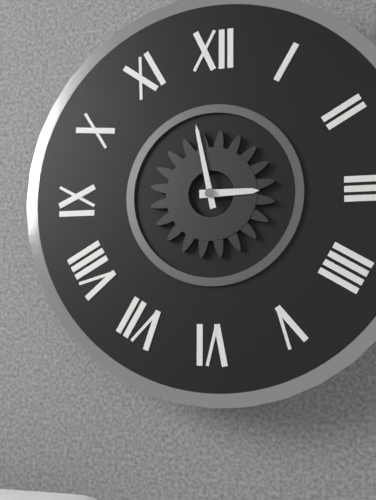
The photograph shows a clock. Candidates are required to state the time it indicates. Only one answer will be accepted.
2:58
